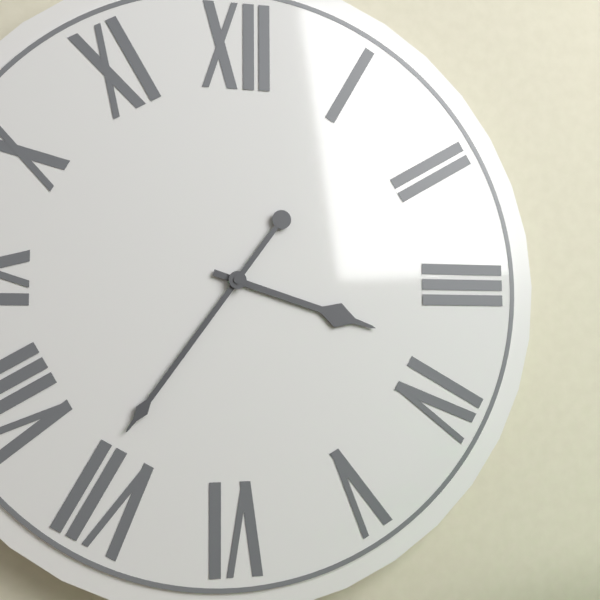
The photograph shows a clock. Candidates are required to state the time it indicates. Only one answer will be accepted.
3:36
